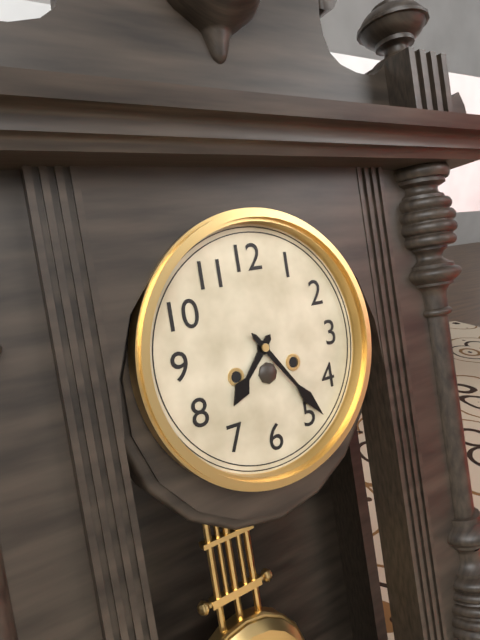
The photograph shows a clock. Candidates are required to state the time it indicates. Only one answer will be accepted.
7:24
